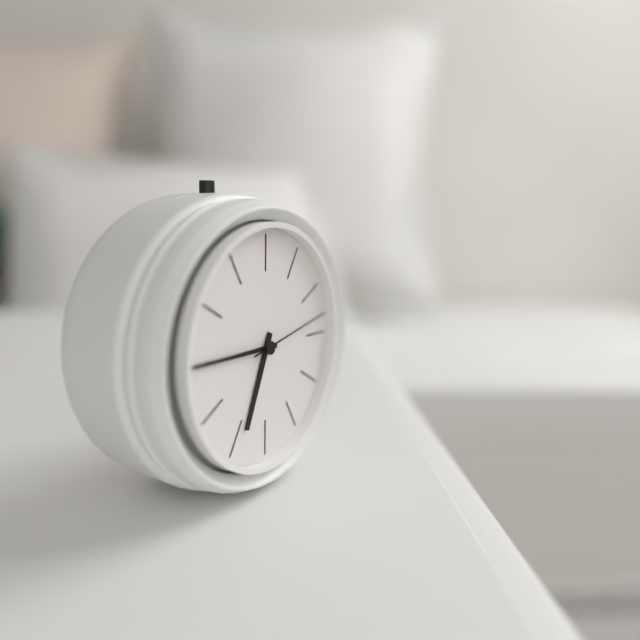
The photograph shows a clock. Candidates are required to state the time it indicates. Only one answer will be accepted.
6:45:13
